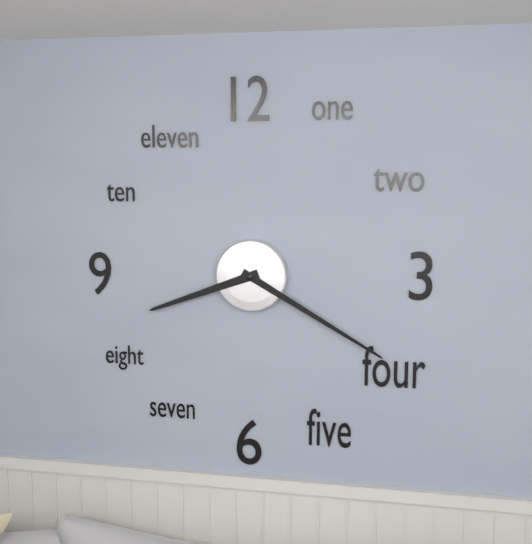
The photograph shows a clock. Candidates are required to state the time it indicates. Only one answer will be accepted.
8:20
